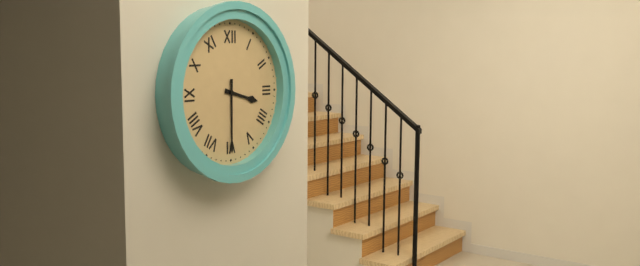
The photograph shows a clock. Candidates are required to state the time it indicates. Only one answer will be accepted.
3:30
